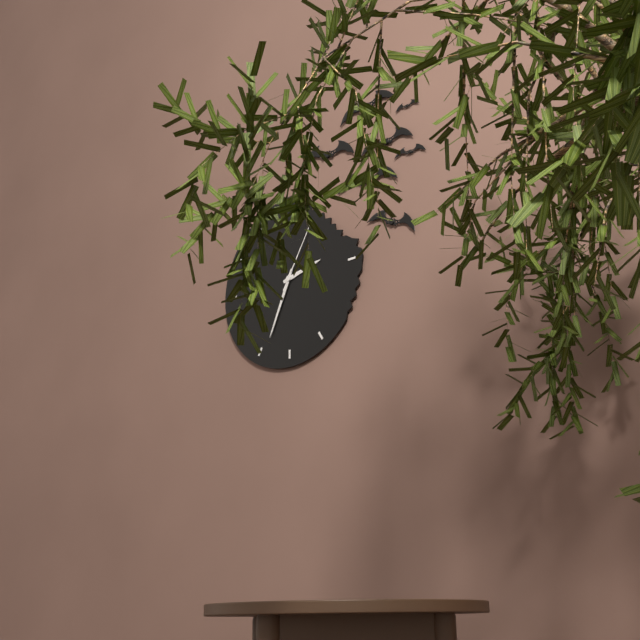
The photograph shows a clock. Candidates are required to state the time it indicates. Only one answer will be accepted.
2:34:05
